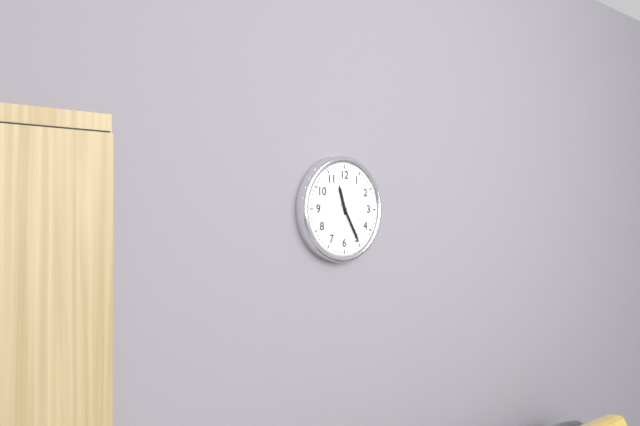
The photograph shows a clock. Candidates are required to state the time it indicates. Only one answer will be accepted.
11:25
